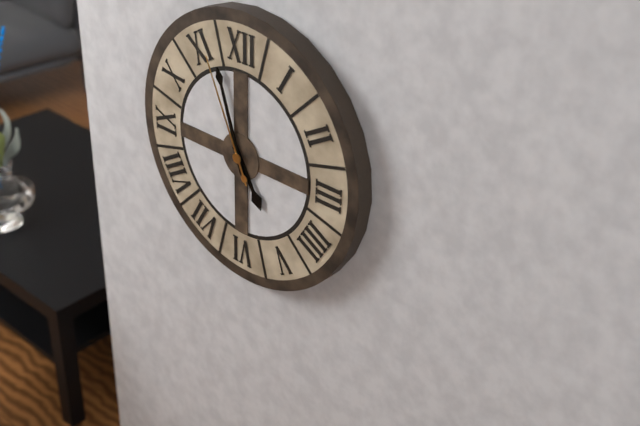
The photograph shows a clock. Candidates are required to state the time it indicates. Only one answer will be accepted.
4:57:56
